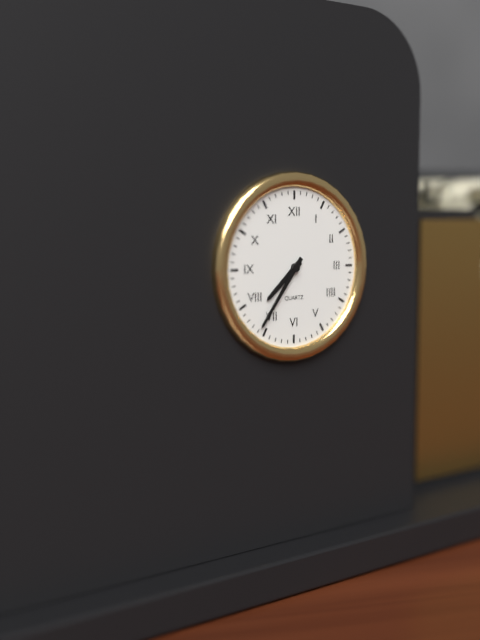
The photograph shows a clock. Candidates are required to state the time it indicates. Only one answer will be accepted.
7:36
